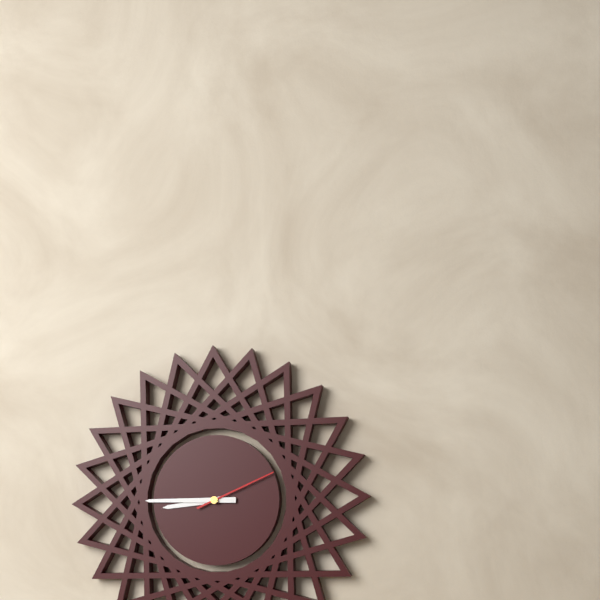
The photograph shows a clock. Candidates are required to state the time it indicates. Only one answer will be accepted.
8:45:11
